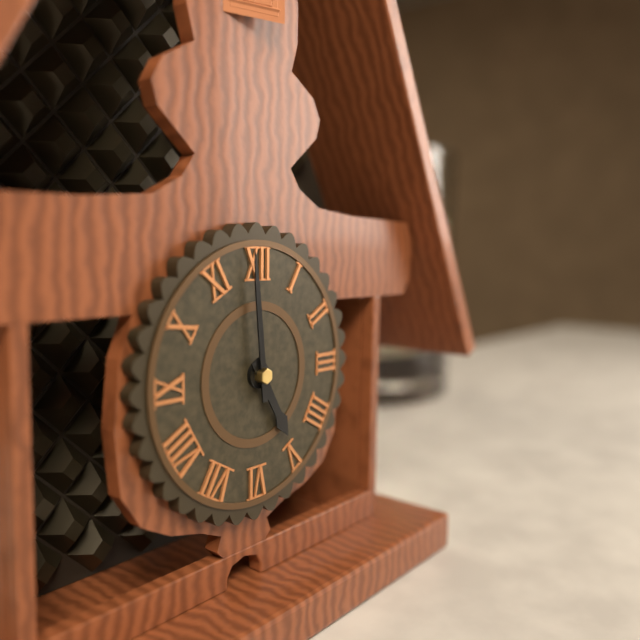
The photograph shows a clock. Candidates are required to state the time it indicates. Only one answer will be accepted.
4:59
